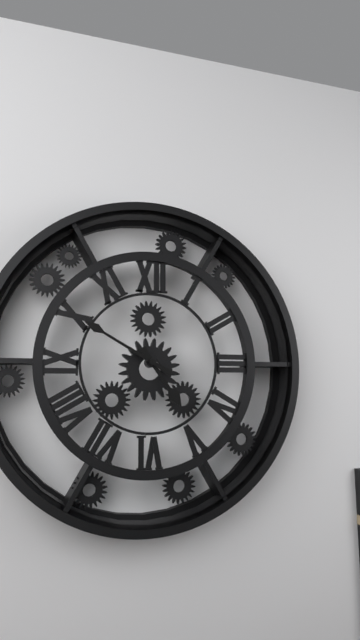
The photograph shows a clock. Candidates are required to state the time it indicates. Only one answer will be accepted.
4:50
